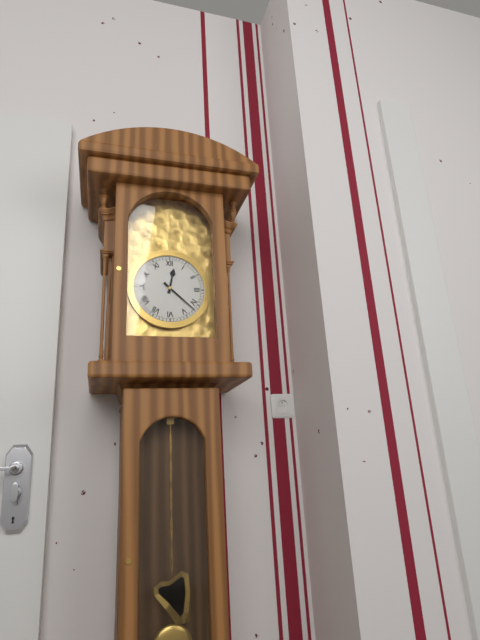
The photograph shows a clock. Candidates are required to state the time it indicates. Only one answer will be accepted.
12:22
